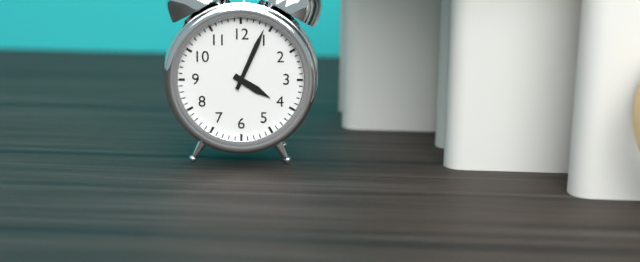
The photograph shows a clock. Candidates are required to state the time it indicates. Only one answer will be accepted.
4:04
